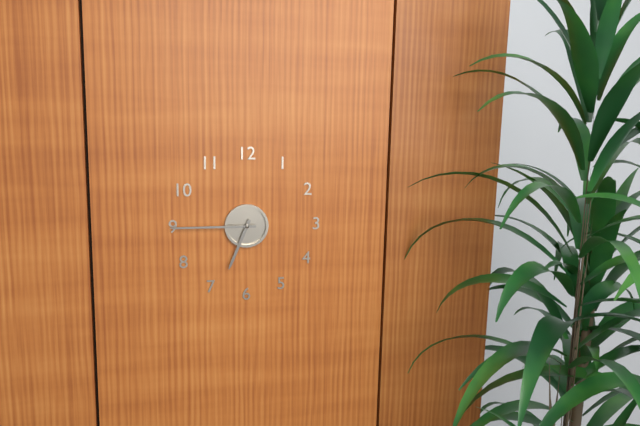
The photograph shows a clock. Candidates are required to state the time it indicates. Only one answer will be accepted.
6:45
